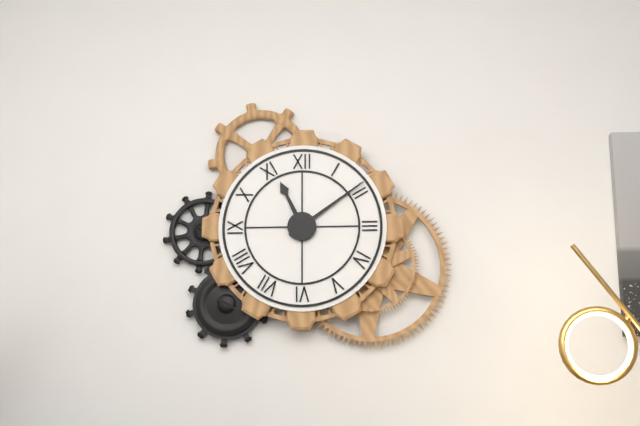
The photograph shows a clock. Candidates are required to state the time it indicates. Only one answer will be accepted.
11:09
